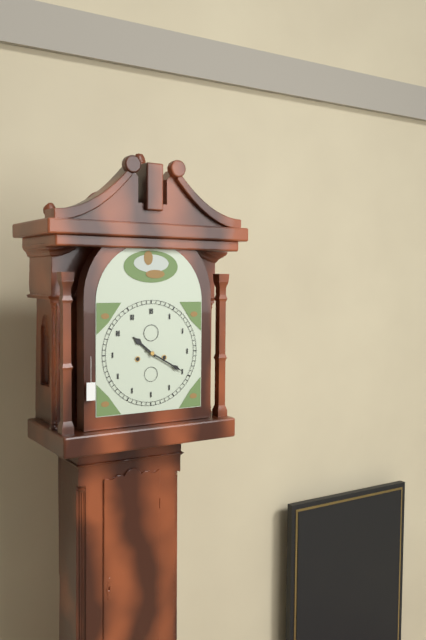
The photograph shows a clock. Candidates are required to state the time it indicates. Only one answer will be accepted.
10:20
